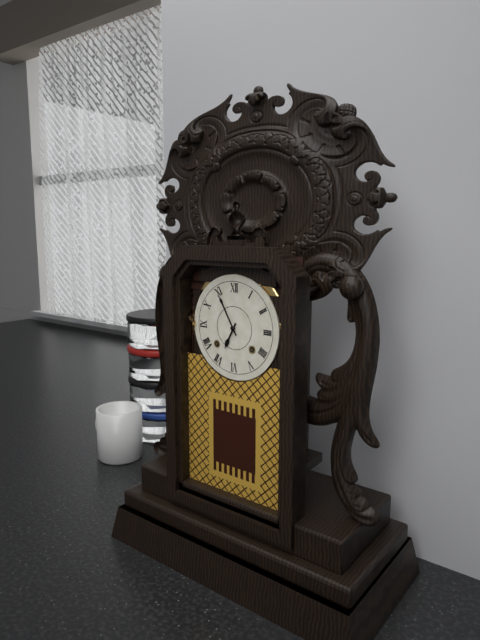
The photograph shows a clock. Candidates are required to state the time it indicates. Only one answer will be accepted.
6:55
